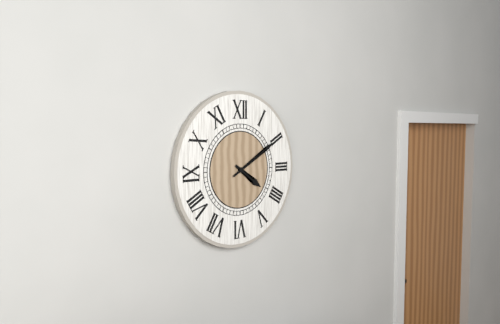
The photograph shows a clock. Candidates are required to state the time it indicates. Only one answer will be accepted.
4:10
